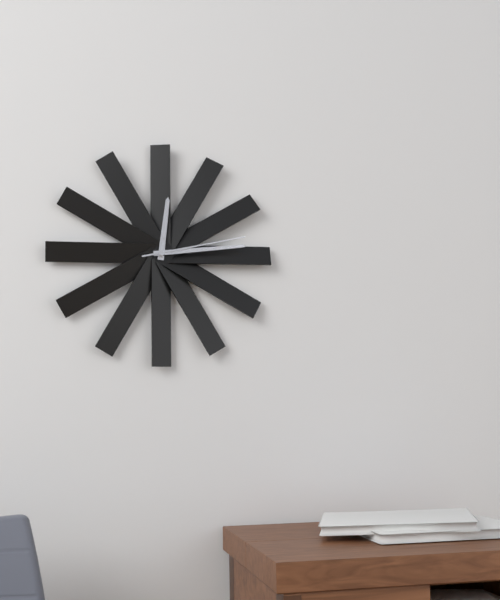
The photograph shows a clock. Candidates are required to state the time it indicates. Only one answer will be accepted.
12:14:13
